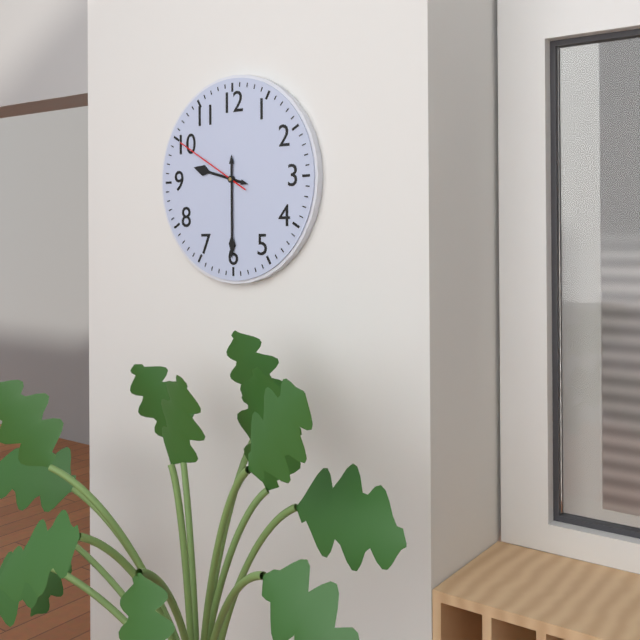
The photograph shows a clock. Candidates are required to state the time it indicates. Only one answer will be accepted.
9:30:50
